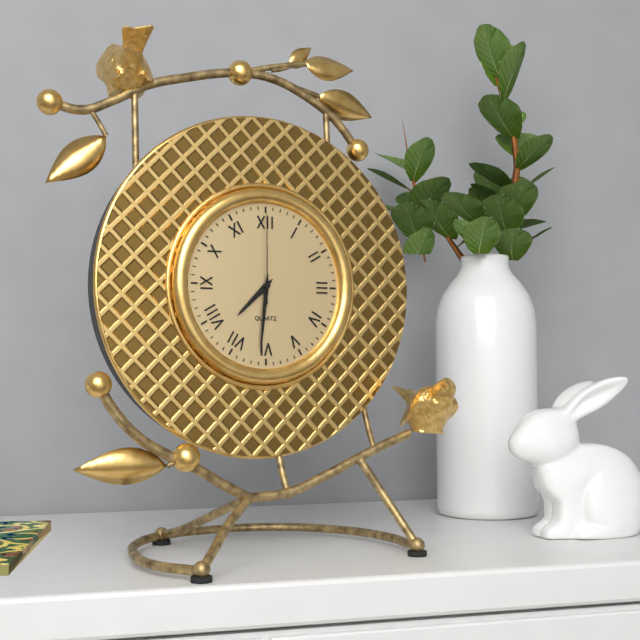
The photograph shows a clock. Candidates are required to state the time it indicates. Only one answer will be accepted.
7:31:00
